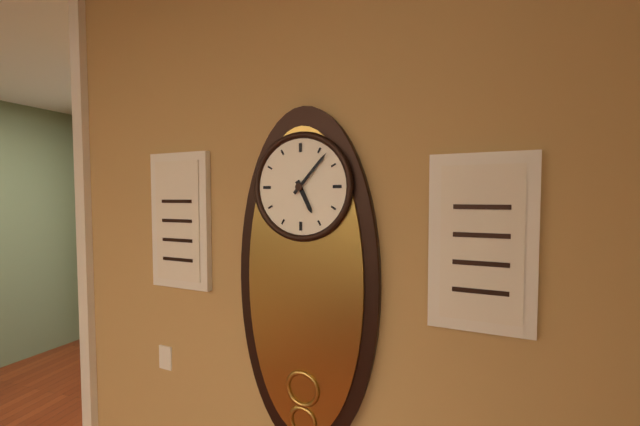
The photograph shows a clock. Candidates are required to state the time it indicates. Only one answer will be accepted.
5:07
